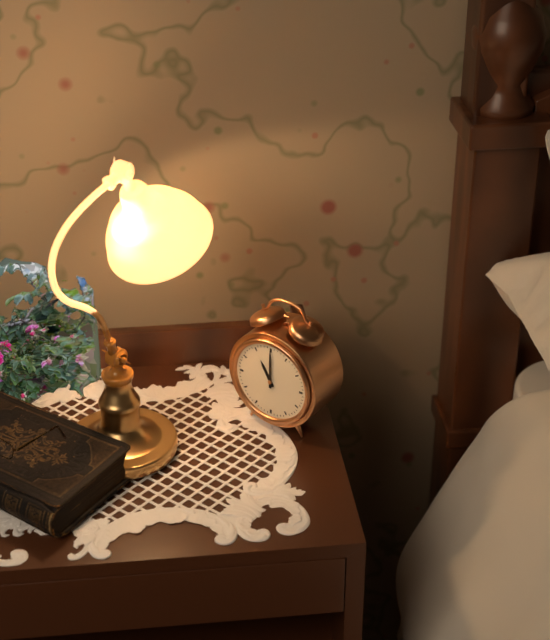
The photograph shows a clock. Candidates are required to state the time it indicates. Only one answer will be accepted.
11:00
